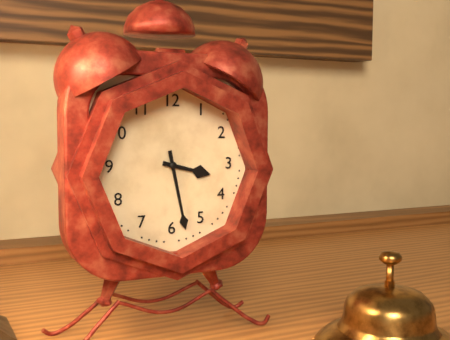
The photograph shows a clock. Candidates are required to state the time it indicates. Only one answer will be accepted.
3:28
